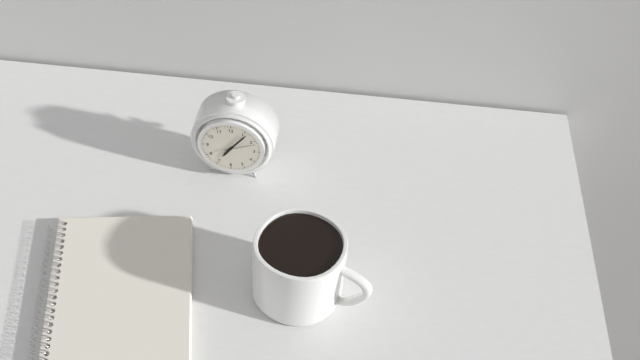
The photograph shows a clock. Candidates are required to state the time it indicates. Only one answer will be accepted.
7:06
